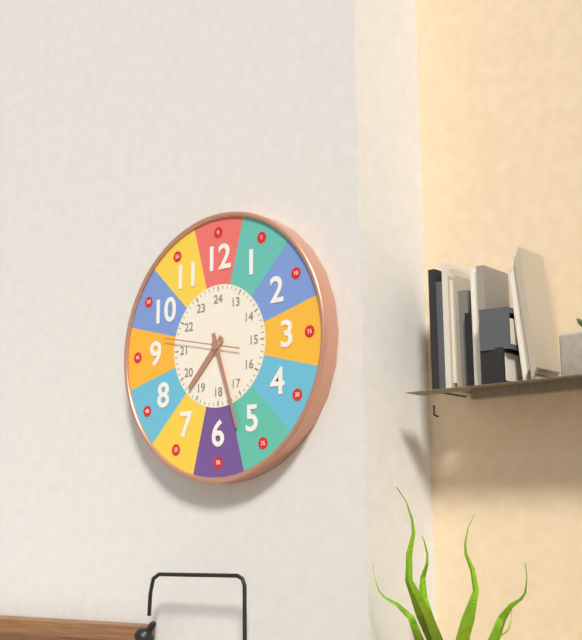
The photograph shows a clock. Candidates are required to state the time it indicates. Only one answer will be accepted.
7:27:47
